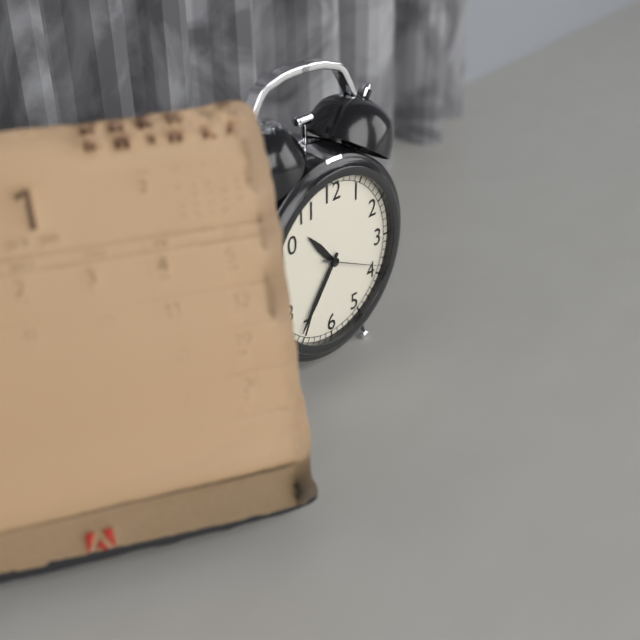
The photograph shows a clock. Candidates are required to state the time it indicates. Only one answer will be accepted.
10:36:19
